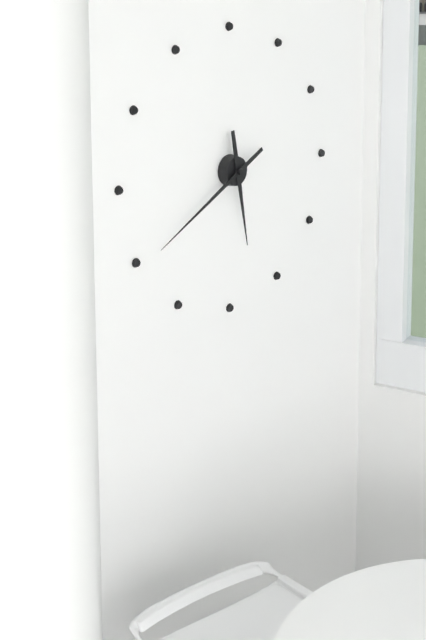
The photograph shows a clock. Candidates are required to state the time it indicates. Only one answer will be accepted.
5:40
